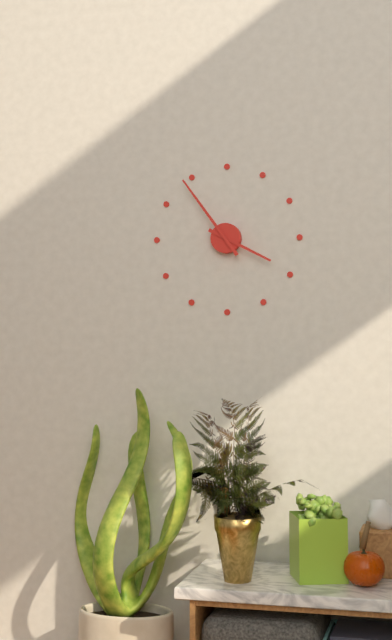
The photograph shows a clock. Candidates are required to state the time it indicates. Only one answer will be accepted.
3:54
